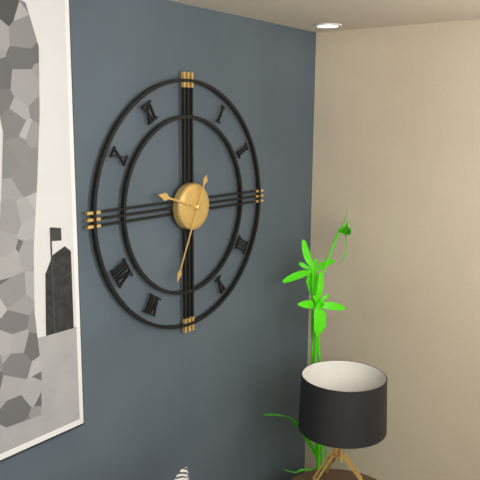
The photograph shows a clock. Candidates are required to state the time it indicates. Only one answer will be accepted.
9:34
